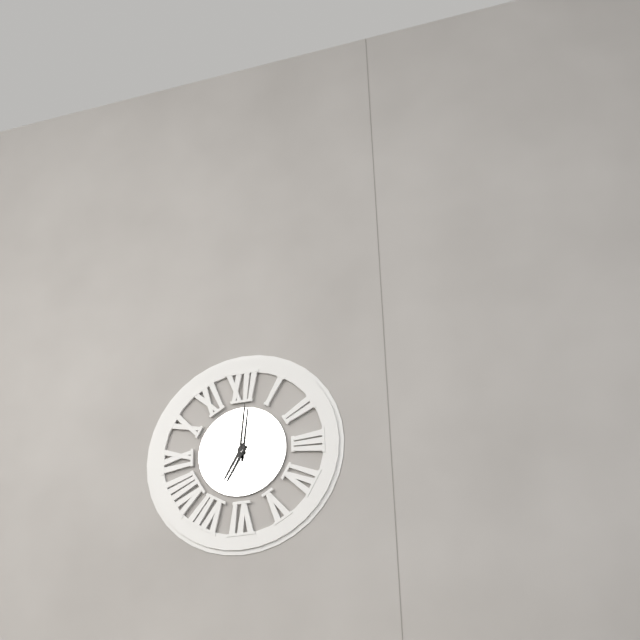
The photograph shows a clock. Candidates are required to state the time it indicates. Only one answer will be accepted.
7:01
